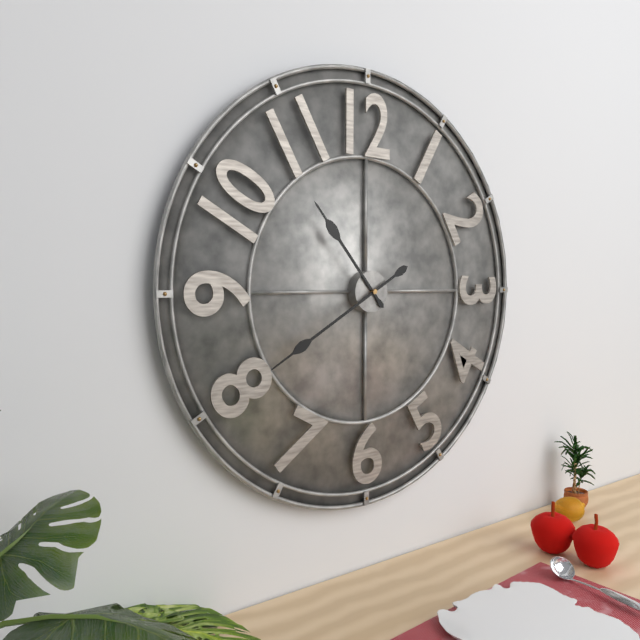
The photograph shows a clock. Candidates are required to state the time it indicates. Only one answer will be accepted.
10:40
